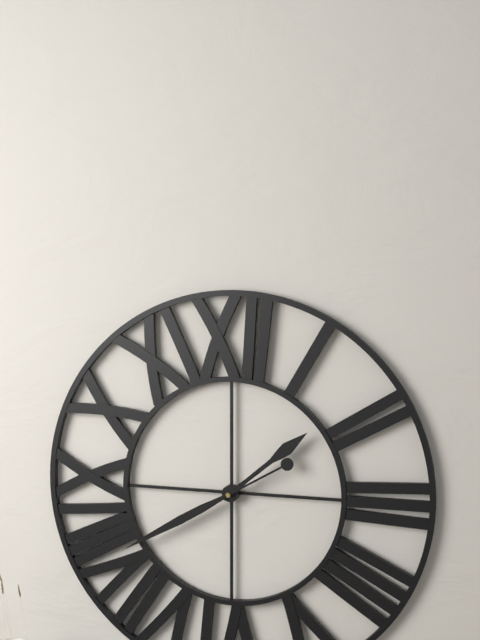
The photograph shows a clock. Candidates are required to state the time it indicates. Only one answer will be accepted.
1:40
